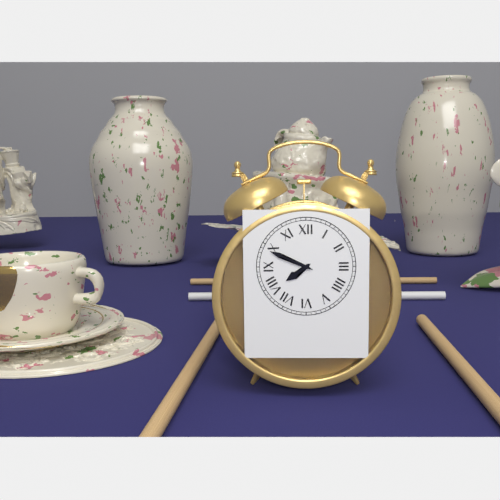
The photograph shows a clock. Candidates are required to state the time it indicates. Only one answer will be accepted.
7:49
